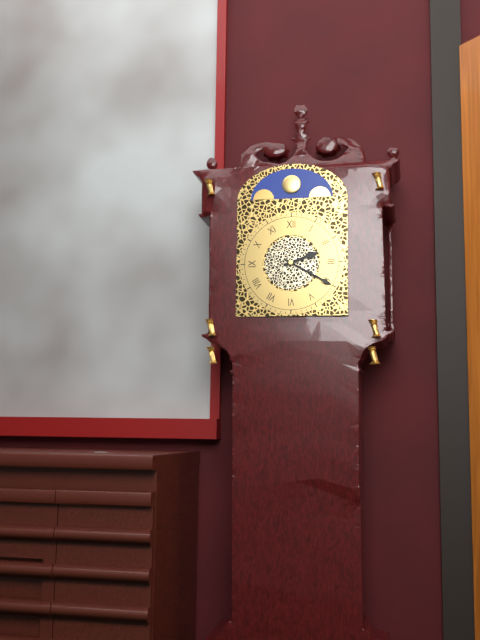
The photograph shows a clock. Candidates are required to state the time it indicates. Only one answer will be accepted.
2:20
